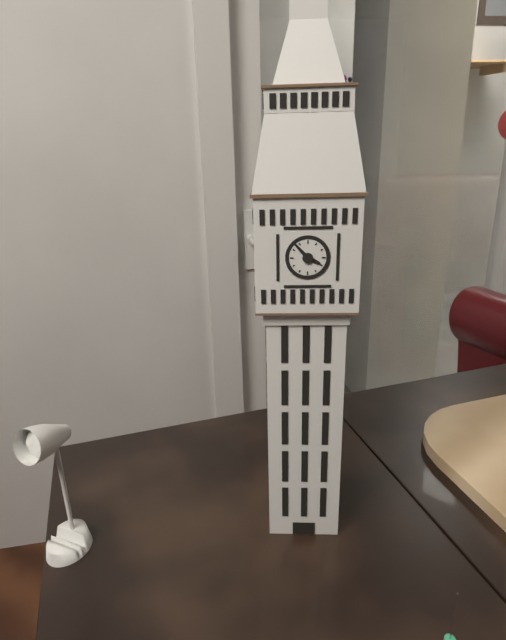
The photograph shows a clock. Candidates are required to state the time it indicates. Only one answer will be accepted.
3:53
